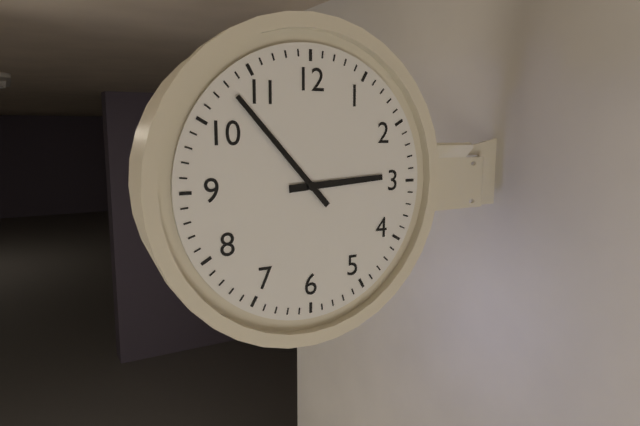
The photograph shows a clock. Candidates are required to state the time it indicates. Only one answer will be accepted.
2:53
